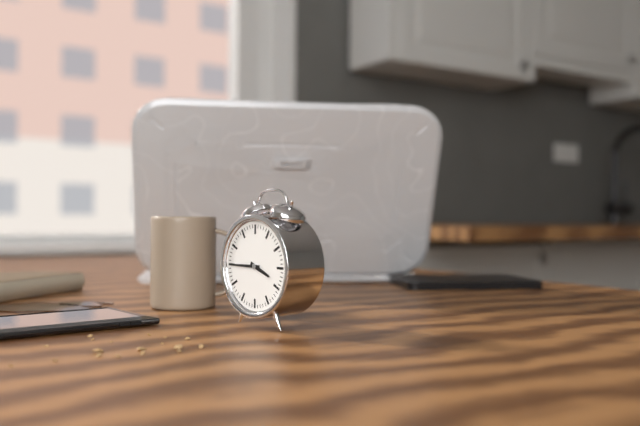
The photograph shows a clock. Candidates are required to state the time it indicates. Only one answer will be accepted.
3:45
